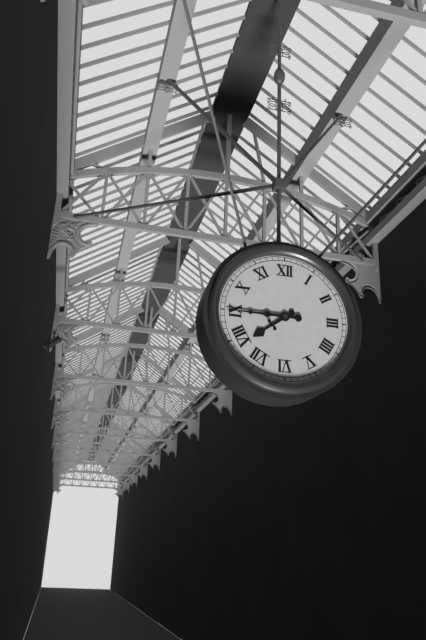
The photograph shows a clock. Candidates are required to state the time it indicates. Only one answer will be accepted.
7:45
